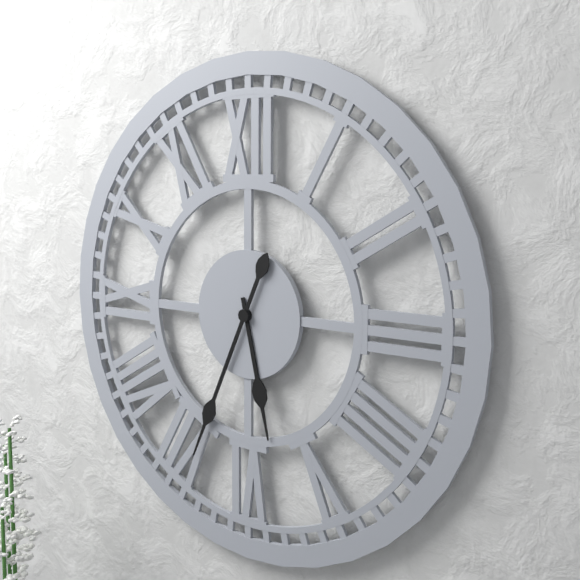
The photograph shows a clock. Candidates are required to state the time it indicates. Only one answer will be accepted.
5:34
